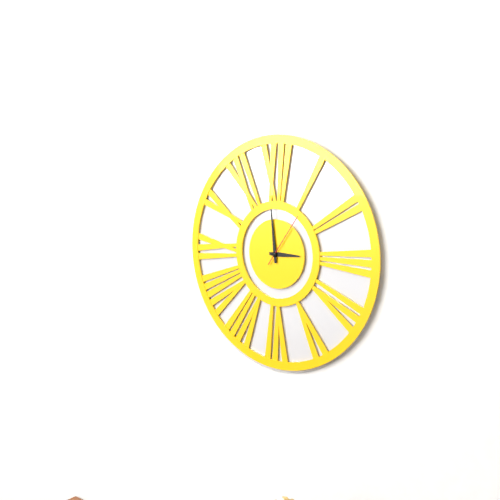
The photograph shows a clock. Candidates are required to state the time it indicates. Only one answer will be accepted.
2:59:06
